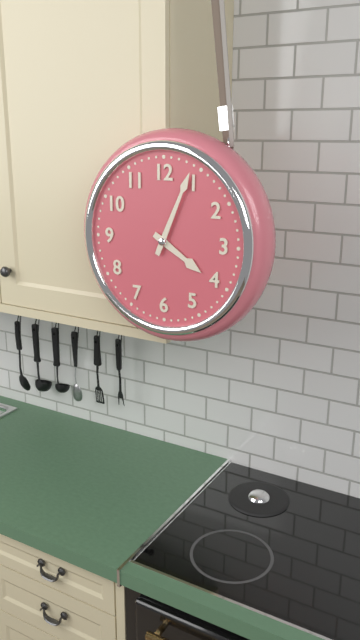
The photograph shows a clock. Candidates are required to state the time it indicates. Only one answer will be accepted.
4:04
